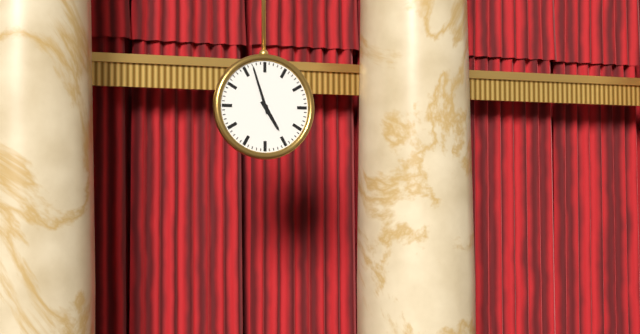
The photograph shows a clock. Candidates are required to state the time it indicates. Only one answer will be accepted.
4:57
